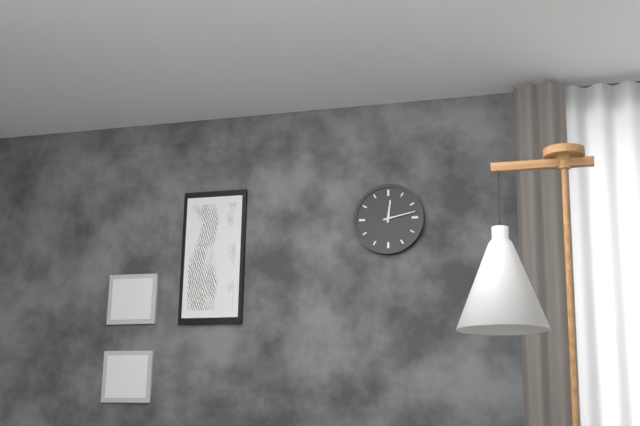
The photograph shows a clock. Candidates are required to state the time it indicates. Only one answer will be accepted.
12:13
